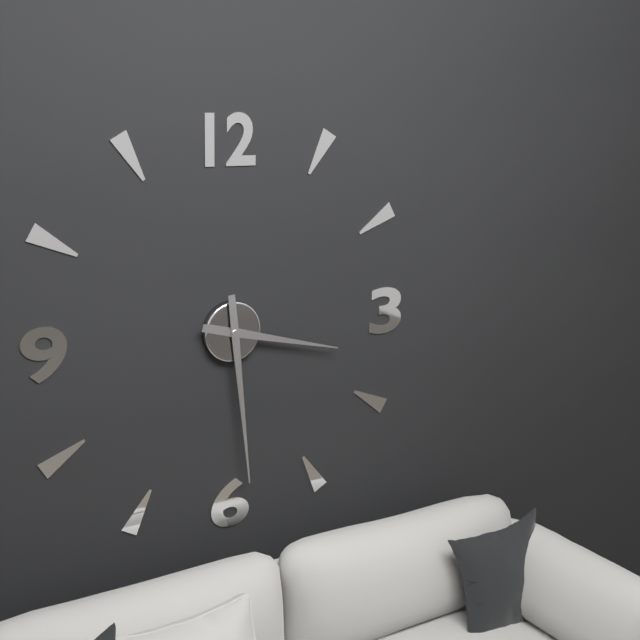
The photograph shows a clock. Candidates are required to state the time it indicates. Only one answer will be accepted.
3:29
